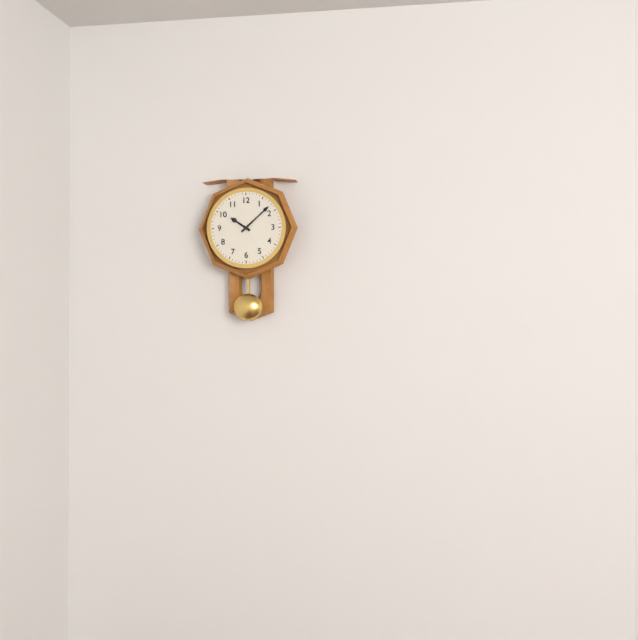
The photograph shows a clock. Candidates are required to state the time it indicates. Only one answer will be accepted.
10:08
